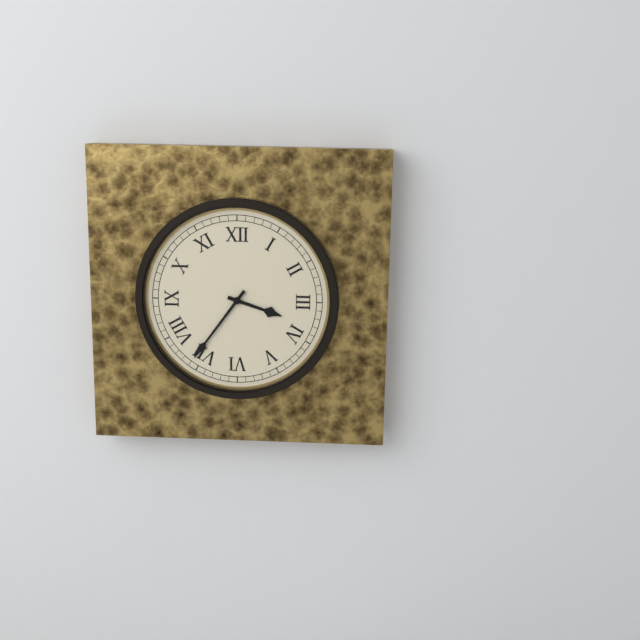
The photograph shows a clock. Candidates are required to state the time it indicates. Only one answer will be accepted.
3:36
